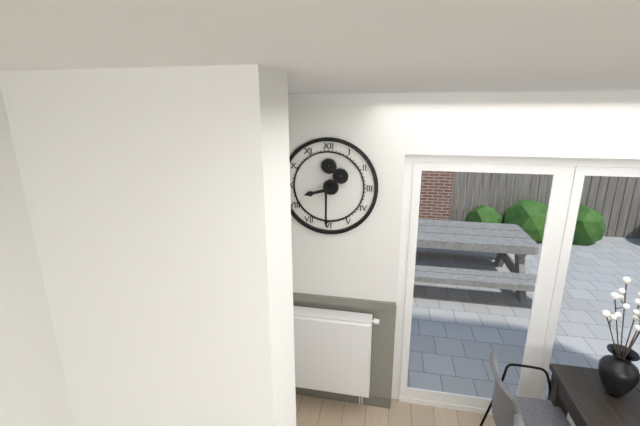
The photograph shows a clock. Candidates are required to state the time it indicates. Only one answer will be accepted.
8:30
